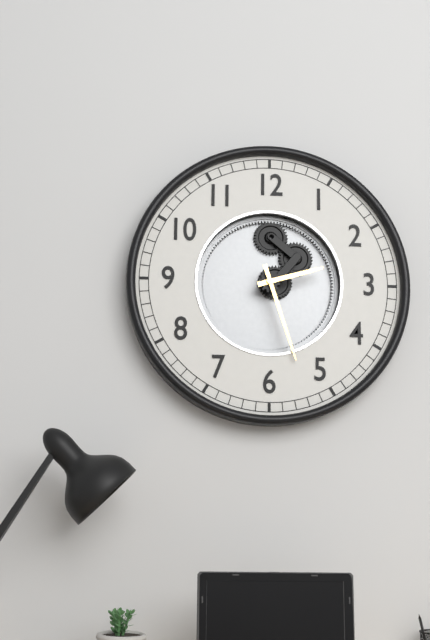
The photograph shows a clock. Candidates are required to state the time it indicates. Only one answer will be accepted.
2:27
